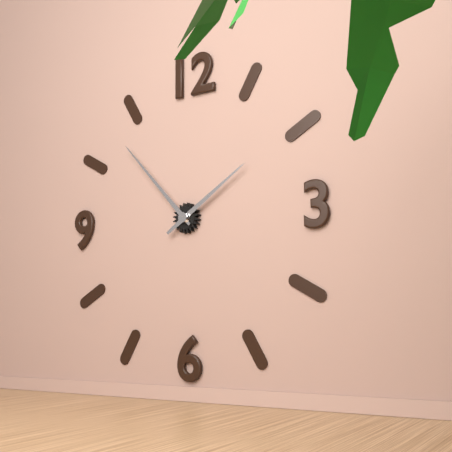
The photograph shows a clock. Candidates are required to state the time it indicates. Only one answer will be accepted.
1:53
